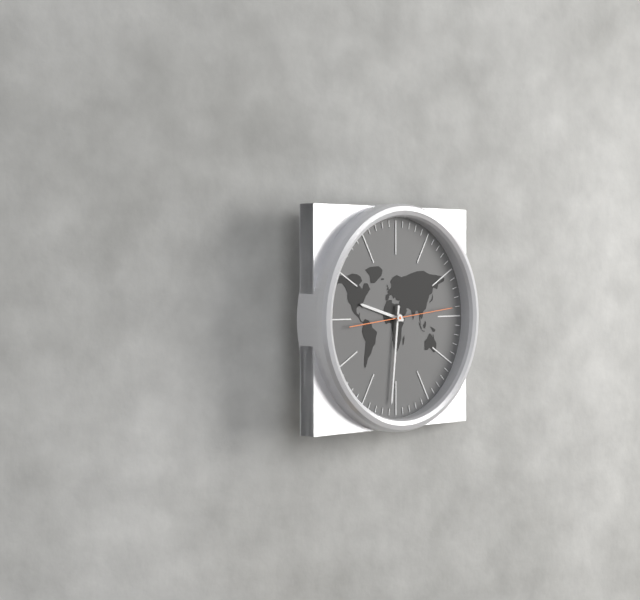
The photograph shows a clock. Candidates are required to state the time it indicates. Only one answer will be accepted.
9:31:14
